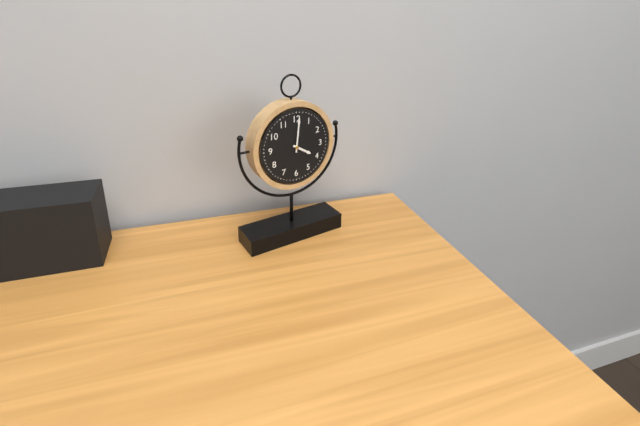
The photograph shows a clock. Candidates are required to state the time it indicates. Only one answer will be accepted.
4:01
